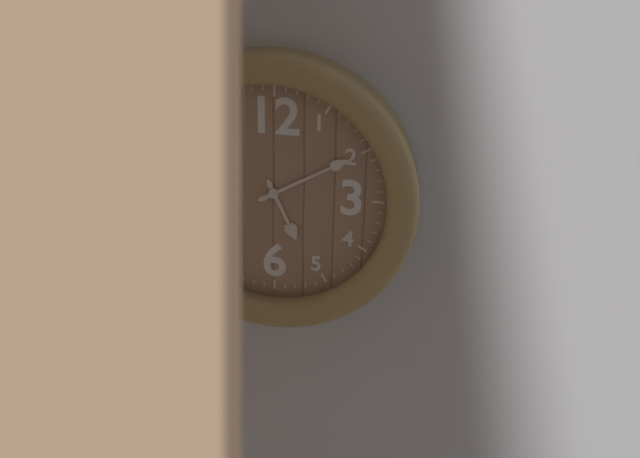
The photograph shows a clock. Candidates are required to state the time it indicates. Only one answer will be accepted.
5:10
